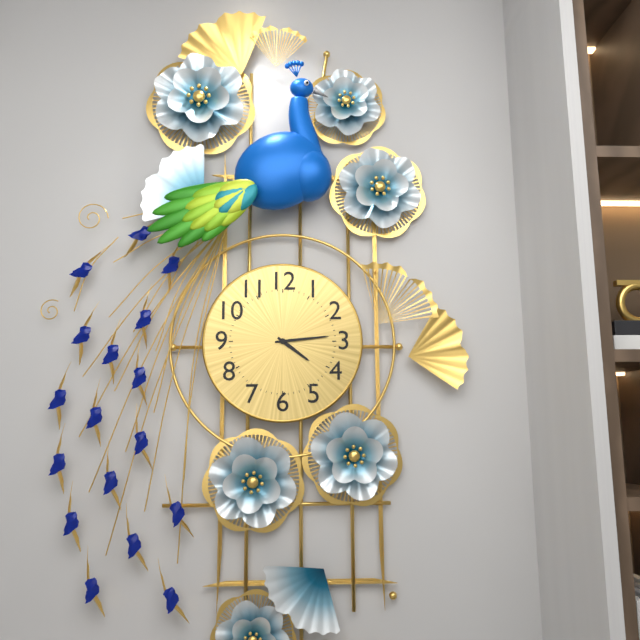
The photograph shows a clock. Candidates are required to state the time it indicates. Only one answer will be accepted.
4:14
